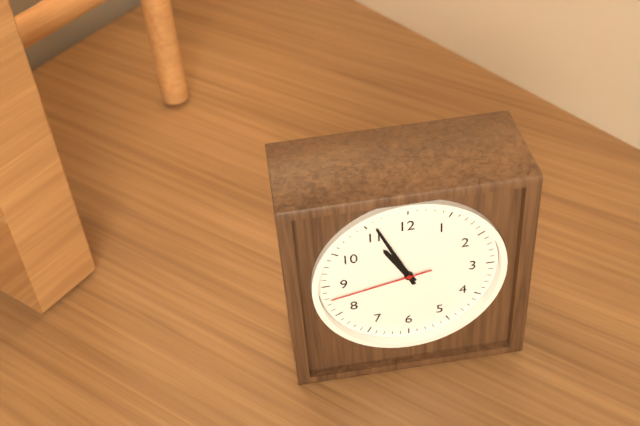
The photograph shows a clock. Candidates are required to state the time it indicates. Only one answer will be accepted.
10:56:43
